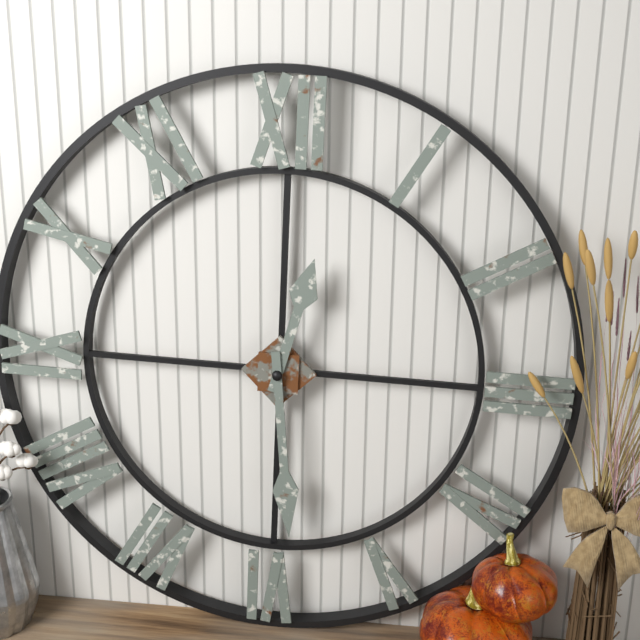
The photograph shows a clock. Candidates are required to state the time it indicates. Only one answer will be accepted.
12:29
